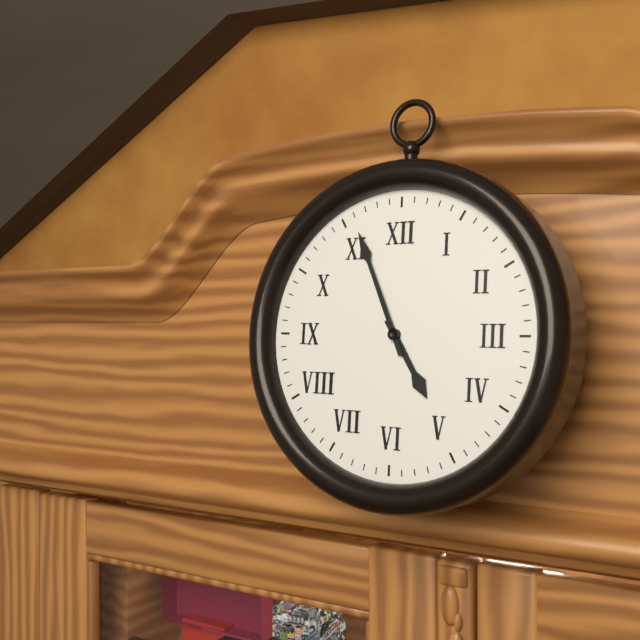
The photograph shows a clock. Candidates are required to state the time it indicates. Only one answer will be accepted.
4:56
